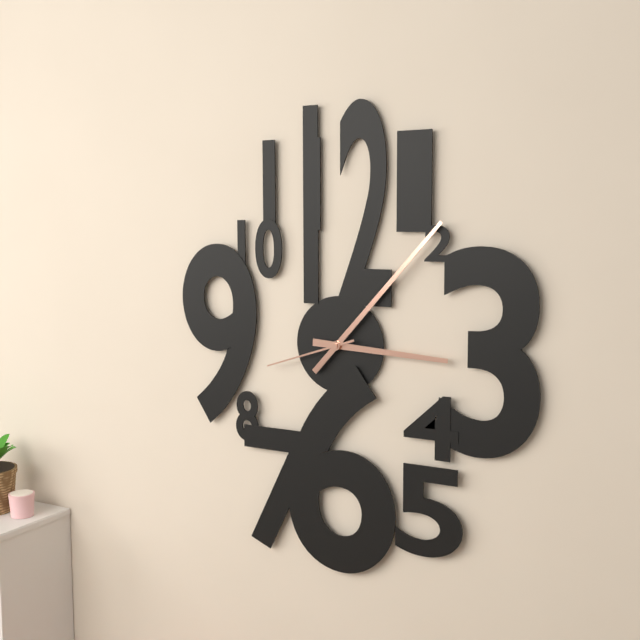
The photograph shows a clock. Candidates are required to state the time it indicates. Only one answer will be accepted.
3:07:42
